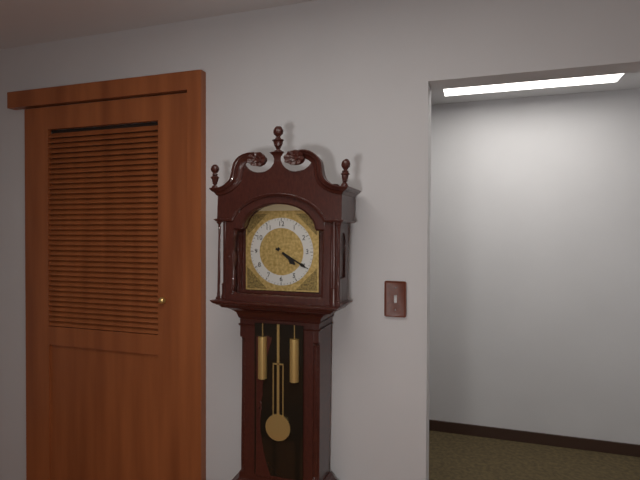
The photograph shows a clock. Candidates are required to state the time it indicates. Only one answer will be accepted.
4:20
